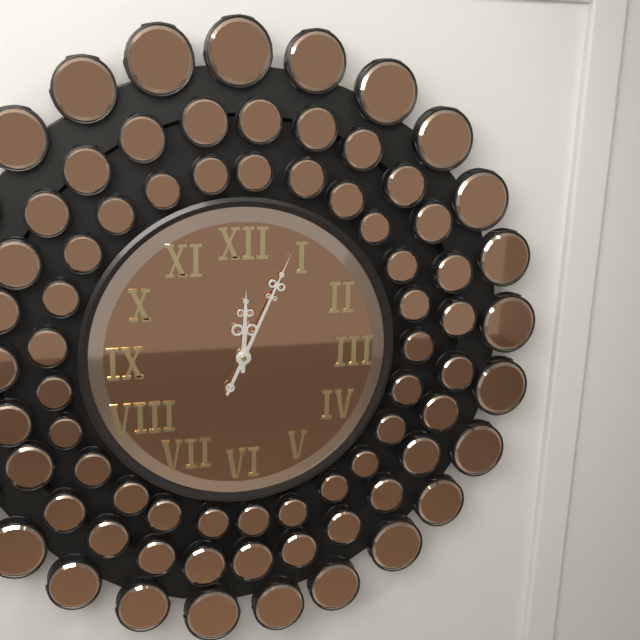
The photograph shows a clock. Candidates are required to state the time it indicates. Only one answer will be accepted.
12:04
